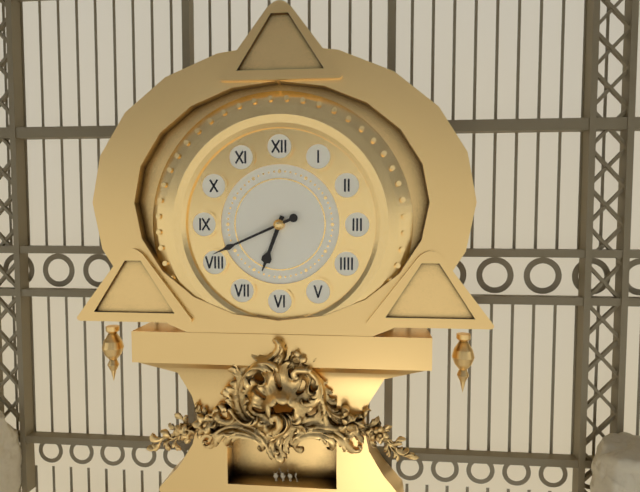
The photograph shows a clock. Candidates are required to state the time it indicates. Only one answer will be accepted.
6:41
